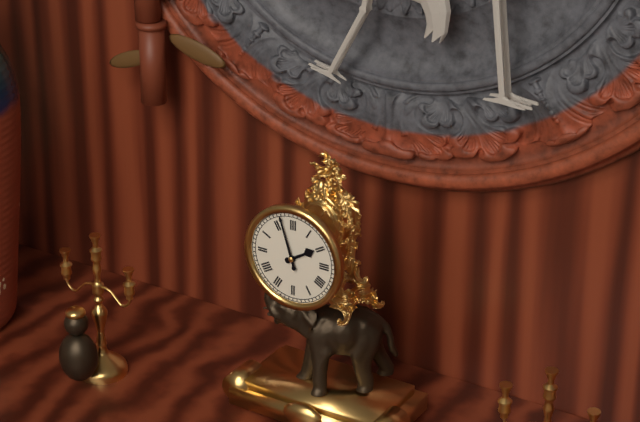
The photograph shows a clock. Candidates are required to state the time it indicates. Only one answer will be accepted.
1:57
